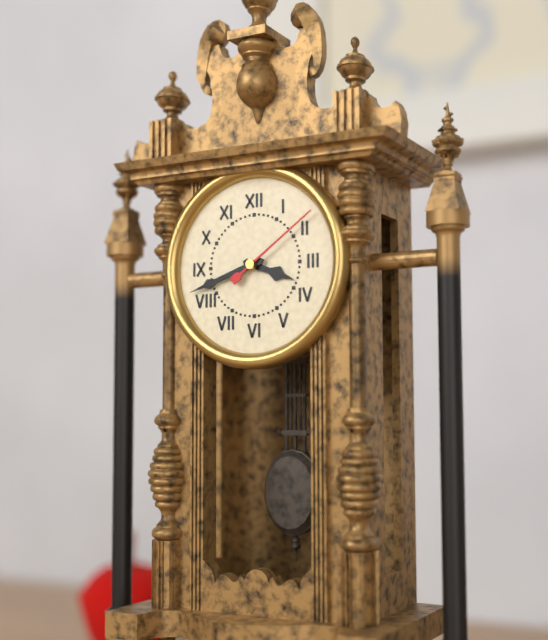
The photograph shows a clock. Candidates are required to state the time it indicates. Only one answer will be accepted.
3:42:09
